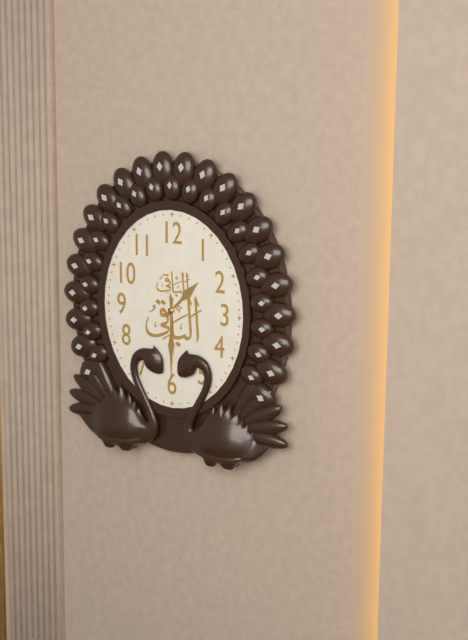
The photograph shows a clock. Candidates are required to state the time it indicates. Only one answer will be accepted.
1:30
